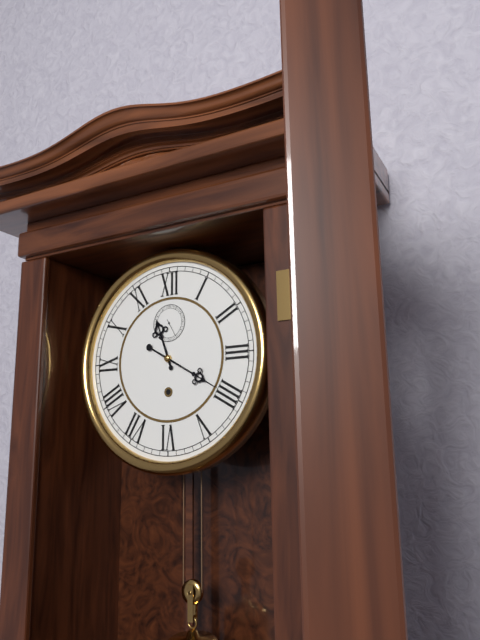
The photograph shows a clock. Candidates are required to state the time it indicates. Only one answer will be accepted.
11:20
